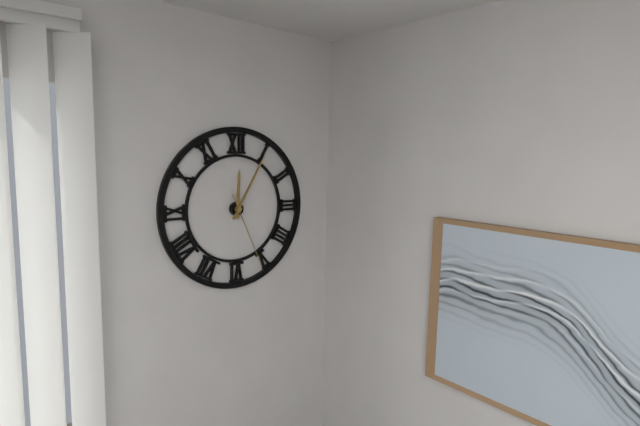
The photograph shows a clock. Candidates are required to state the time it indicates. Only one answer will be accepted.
12:05:26
